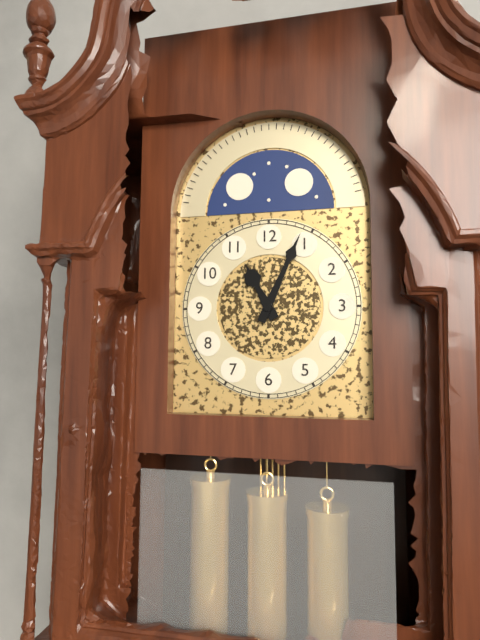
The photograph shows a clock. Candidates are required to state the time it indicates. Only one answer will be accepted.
11:04
